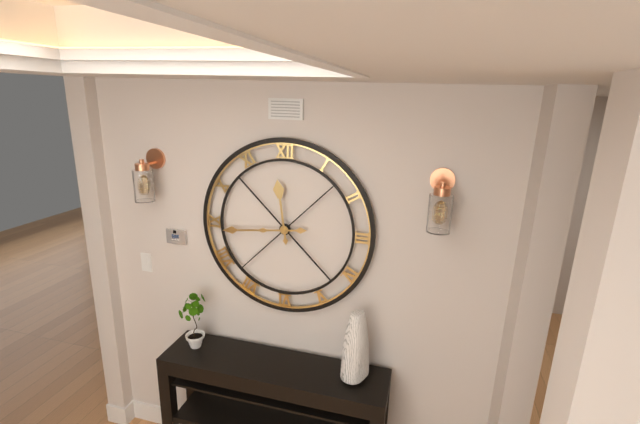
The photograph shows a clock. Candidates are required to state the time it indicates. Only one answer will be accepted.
11:44
